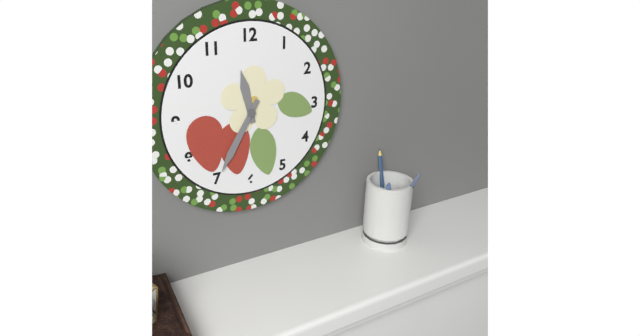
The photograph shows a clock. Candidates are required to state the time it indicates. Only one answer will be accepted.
11:35
